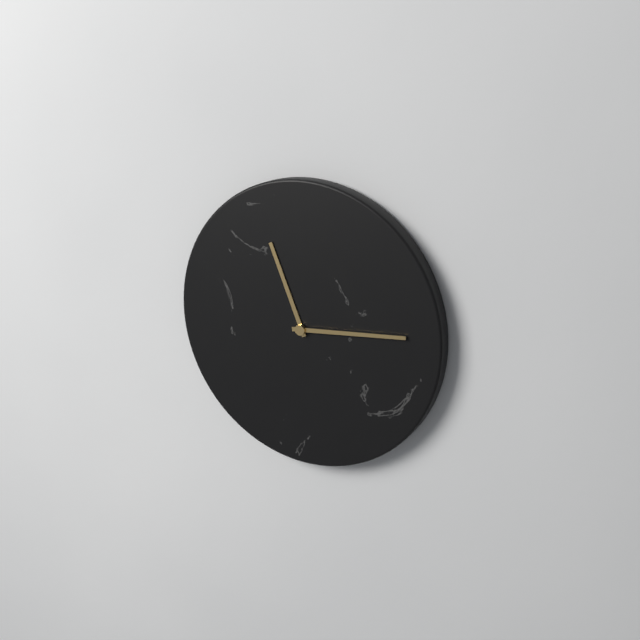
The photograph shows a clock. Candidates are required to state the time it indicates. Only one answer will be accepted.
11:14
